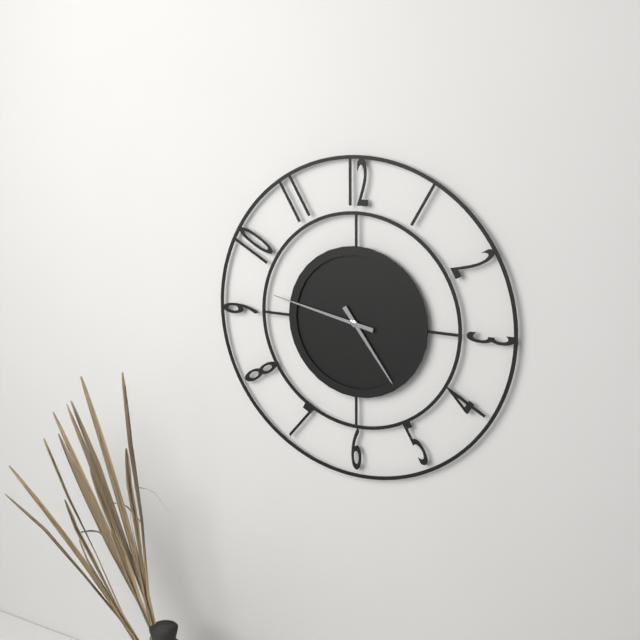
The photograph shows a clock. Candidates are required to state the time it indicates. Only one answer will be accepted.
4:47
